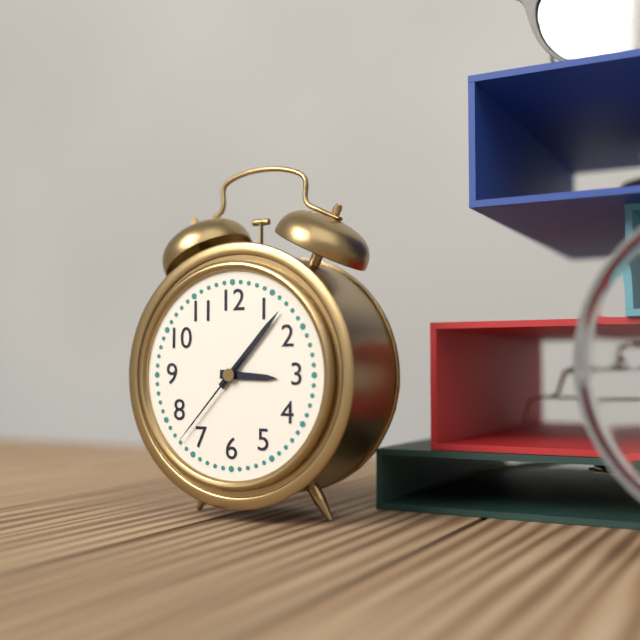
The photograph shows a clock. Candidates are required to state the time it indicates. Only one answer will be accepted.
3:07:37
